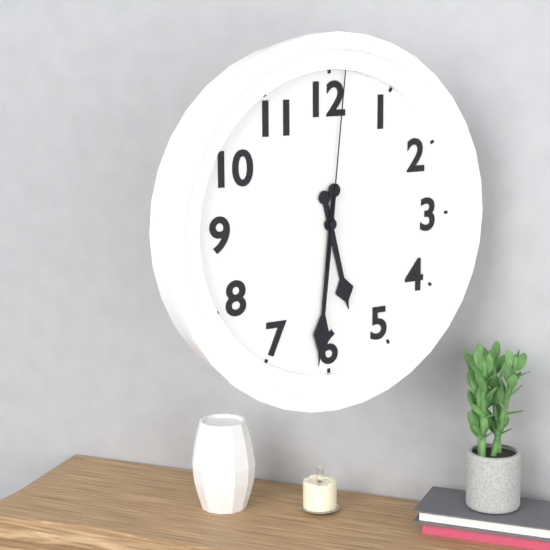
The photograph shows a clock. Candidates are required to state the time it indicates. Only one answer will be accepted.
5:31:01
